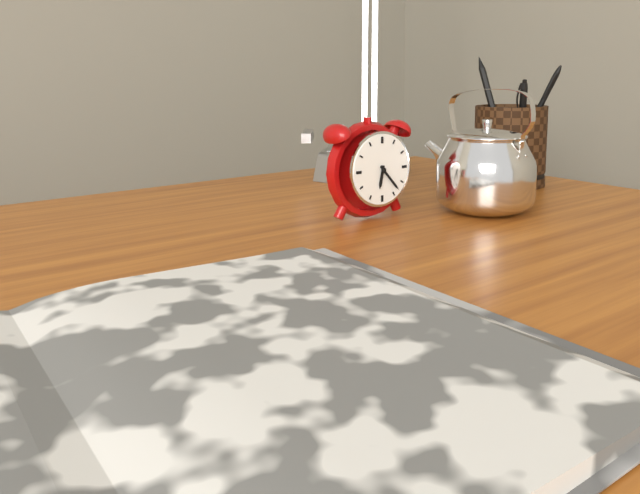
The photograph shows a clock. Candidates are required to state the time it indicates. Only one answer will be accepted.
6:23
